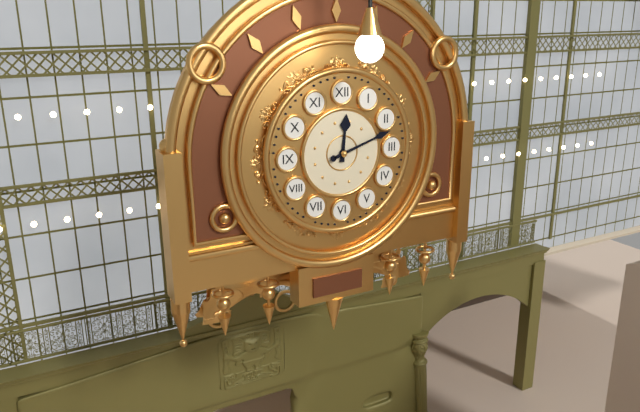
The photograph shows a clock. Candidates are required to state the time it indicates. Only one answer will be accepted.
12:12
